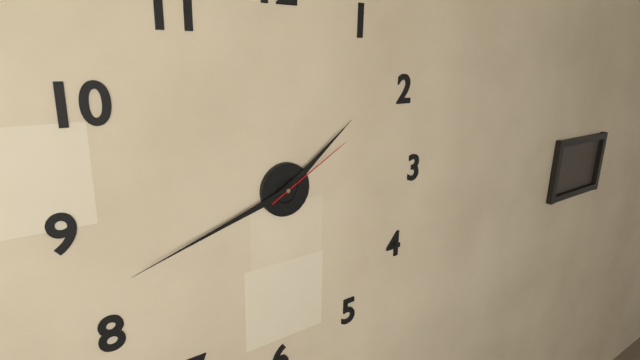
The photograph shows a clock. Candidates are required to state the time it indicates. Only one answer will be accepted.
1:42:10
